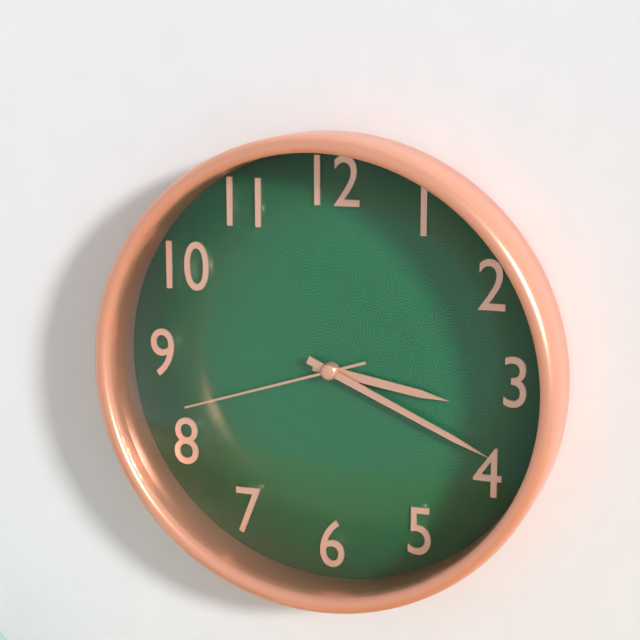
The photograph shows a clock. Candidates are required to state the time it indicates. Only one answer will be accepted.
3:19:42
